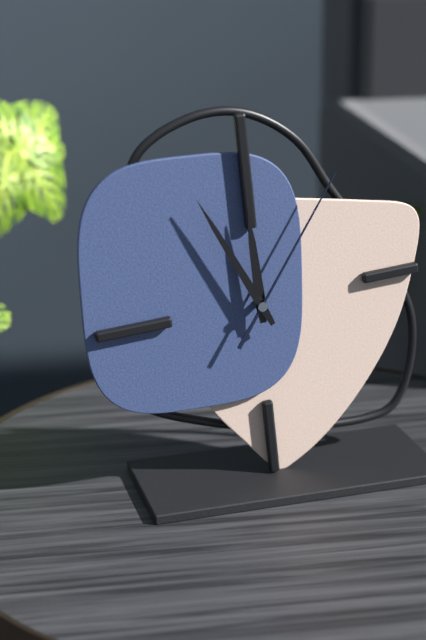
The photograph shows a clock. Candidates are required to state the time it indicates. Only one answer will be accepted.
11:56:06
